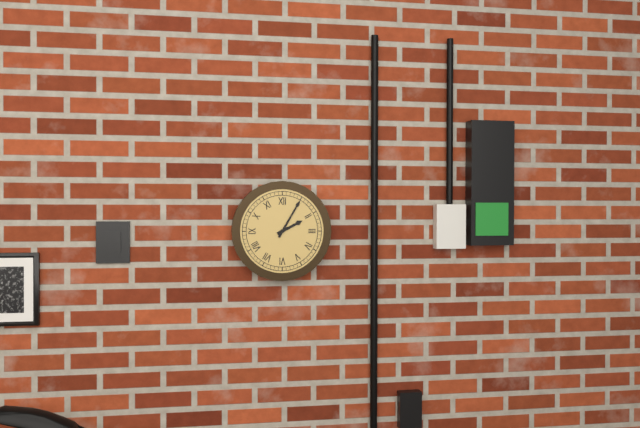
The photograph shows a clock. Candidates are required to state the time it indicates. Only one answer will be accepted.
2:05
